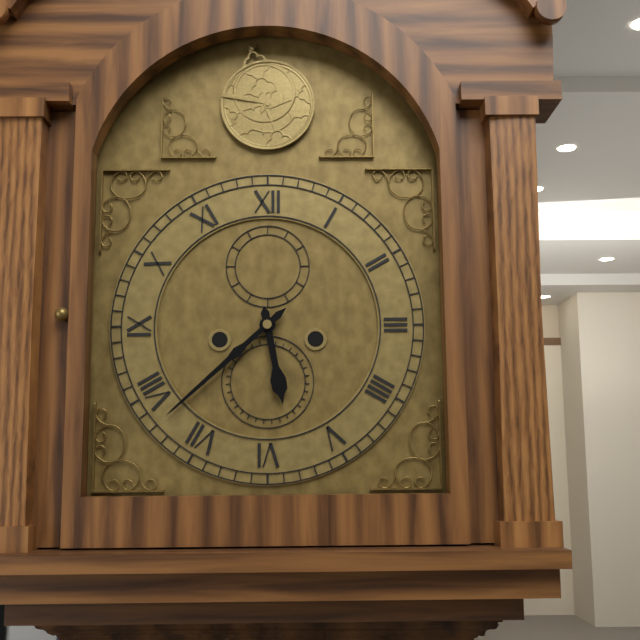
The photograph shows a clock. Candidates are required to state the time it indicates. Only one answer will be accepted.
5:38
